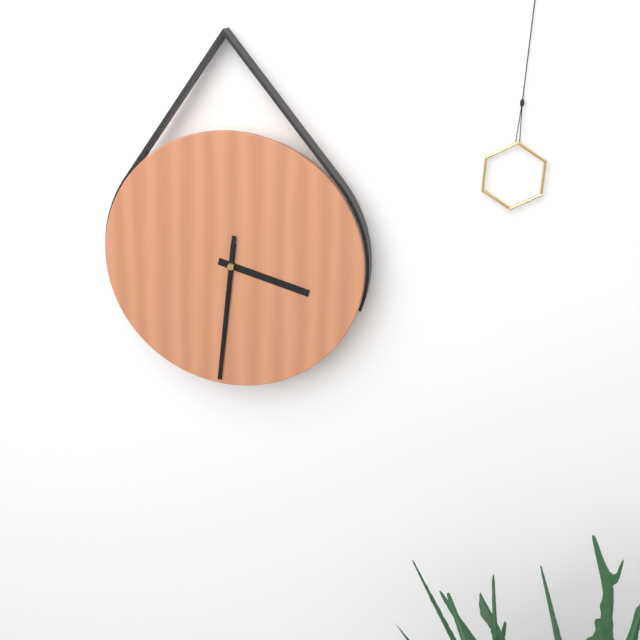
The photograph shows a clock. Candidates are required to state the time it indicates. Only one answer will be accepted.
3:31:31
